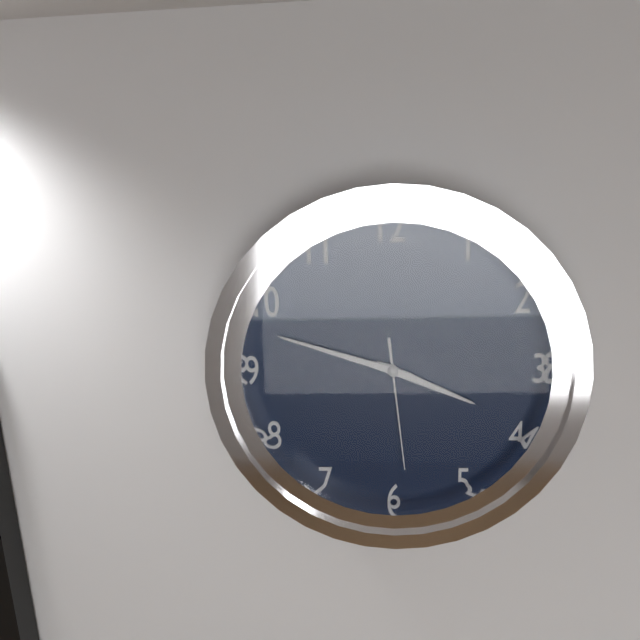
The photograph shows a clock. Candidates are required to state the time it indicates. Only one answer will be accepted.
3:48:29
